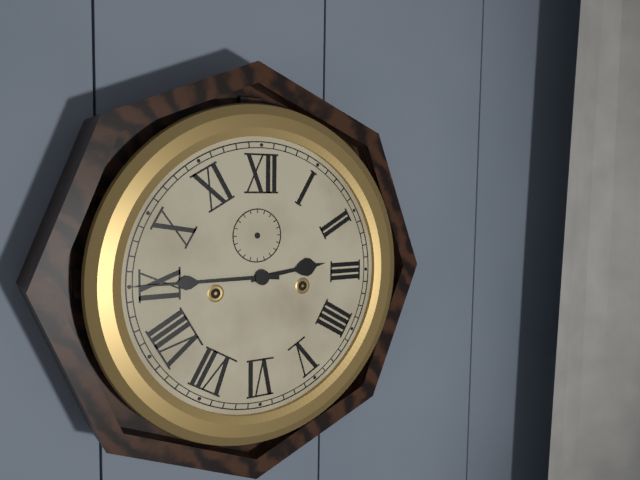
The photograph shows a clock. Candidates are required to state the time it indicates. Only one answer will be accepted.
2:45
